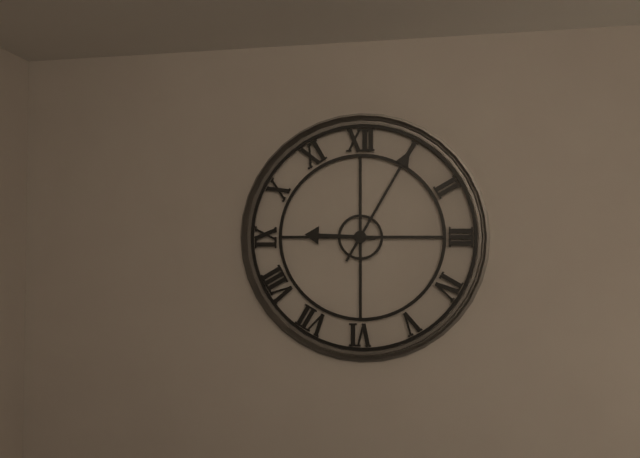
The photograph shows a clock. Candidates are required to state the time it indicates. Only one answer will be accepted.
9:05
